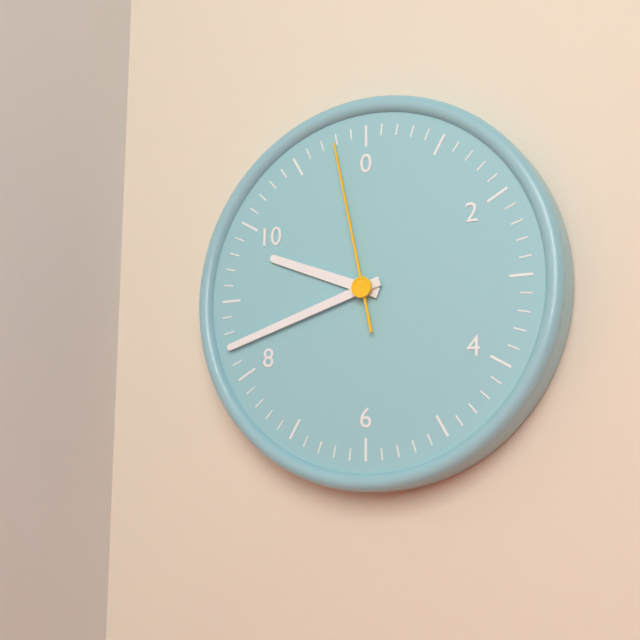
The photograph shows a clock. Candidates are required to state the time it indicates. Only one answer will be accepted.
9:42:58
